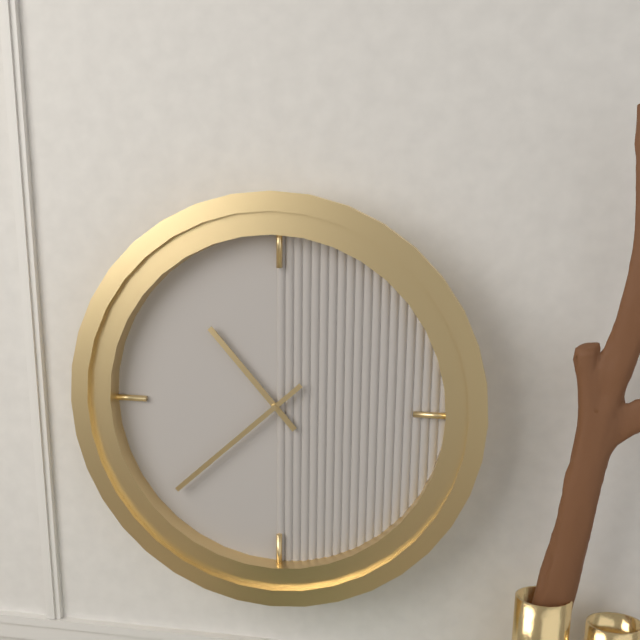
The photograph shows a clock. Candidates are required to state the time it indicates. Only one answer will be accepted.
10:38
